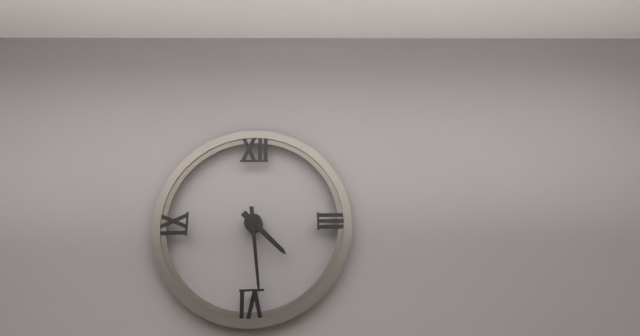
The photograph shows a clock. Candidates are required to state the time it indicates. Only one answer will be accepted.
4:29
